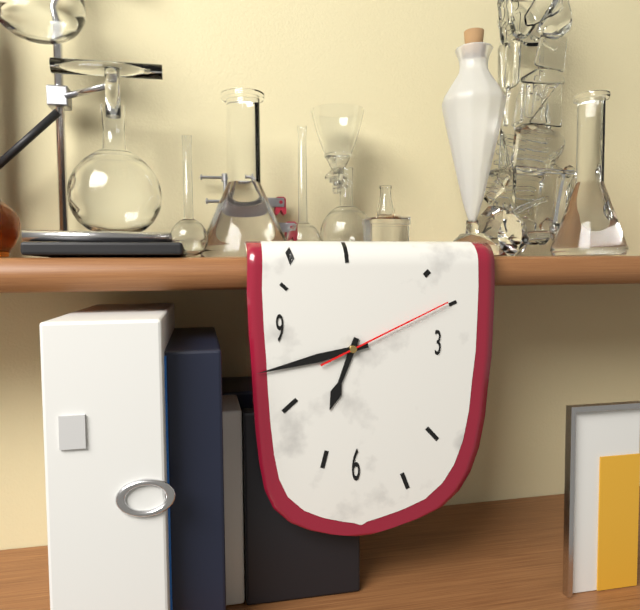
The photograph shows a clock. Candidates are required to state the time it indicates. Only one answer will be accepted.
6:43:11
